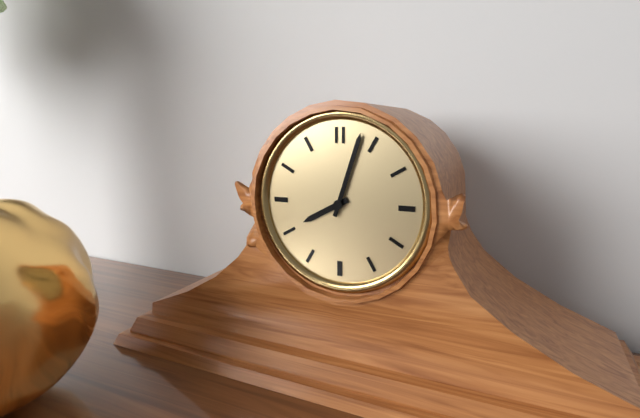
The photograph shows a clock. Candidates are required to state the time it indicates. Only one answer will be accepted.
8:03
